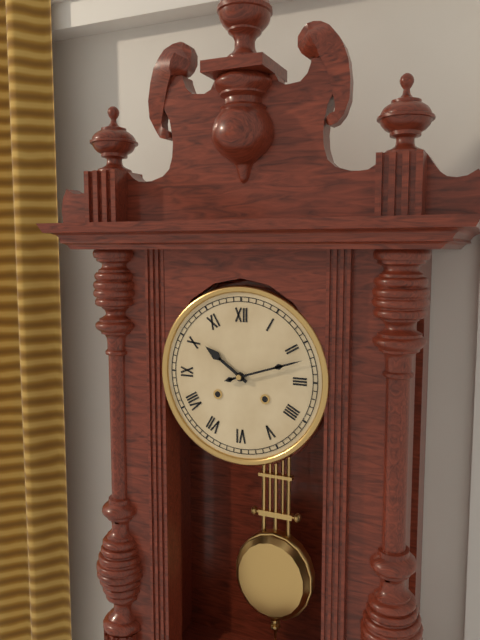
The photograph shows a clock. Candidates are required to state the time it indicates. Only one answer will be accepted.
10:12
